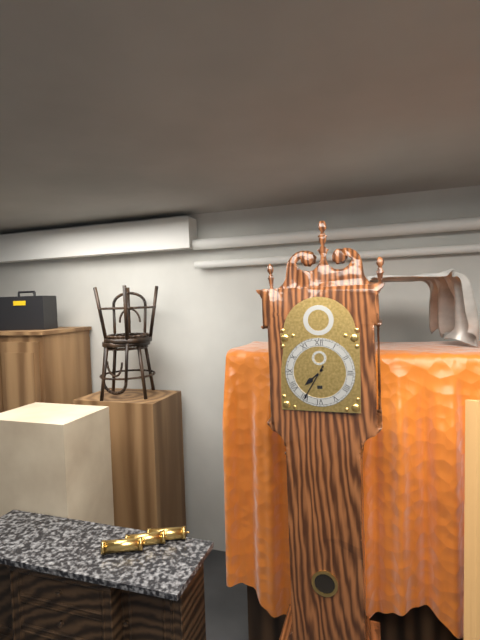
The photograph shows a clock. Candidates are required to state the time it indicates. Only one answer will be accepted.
7:35
